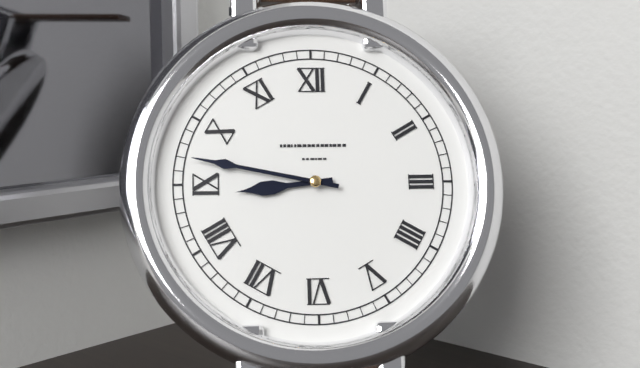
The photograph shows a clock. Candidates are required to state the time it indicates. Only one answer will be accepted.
8:47
